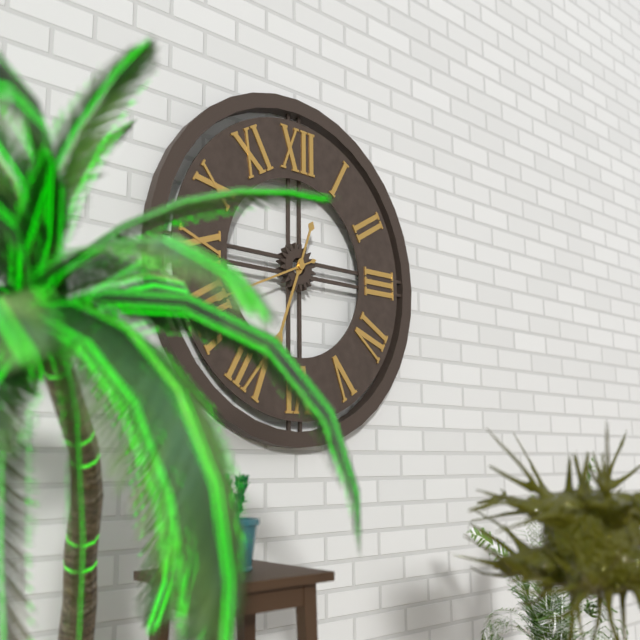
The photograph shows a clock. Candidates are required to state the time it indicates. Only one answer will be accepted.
6:41
